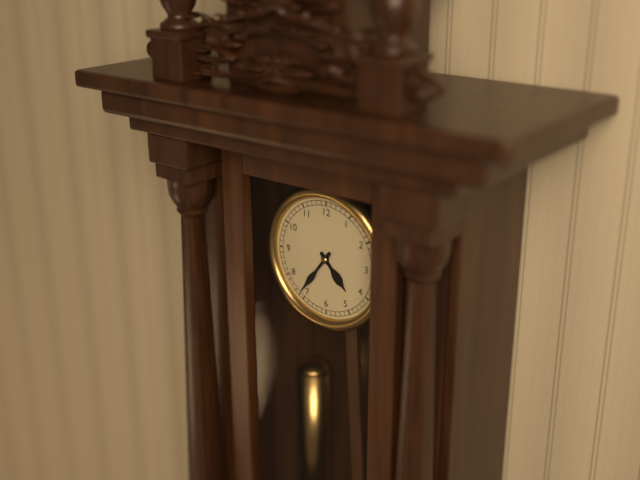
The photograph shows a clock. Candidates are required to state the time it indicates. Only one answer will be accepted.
4:36
